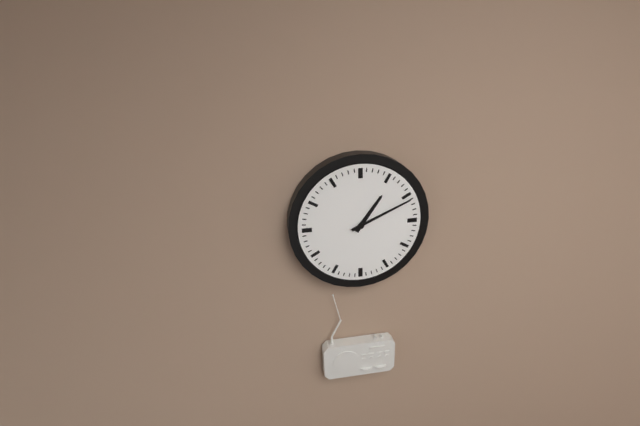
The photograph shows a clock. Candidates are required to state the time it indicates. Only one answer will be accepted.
1:11
